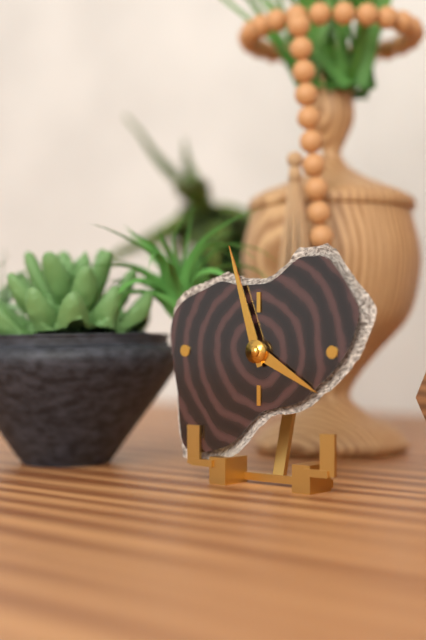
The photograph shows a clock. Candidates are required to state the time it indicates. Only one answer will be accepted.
3:57
